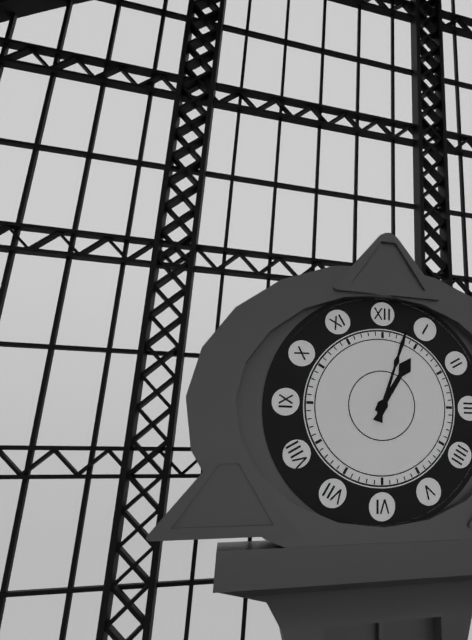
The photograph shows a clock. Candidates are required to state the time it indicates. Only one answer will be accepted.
1:03
